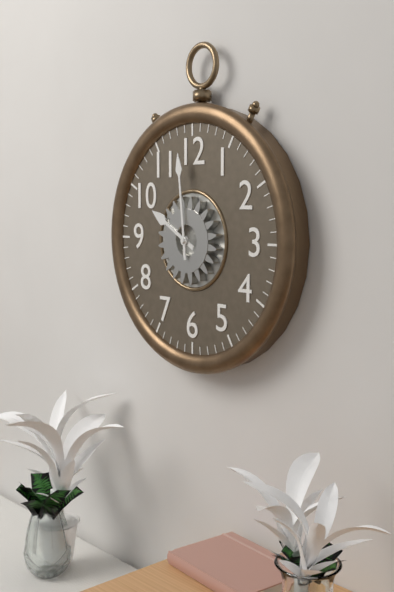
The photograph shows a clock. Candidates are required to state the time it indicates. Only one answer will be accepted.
9:59
